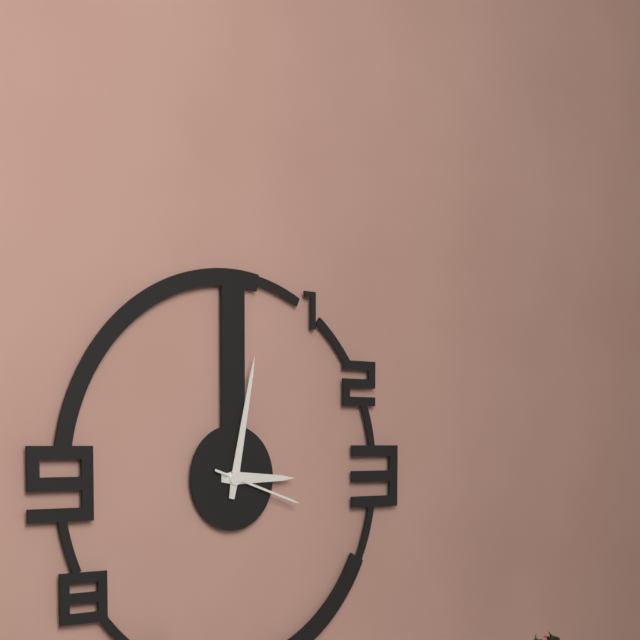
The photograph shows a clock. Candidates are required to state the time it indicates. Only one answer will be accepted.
3:02:18
